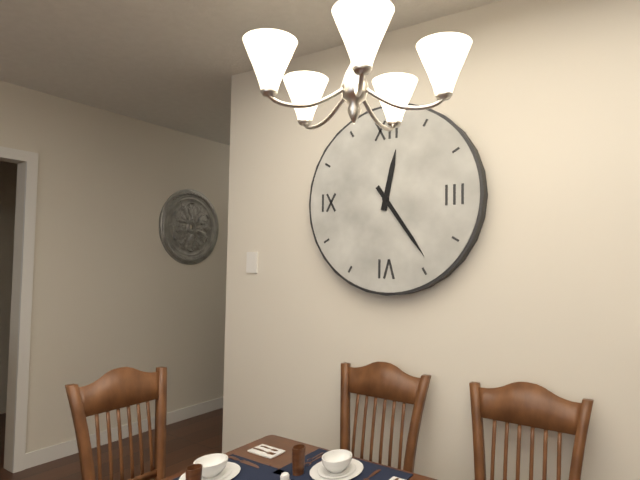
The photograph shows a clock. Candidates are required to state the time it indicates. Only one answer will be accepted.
12:24
